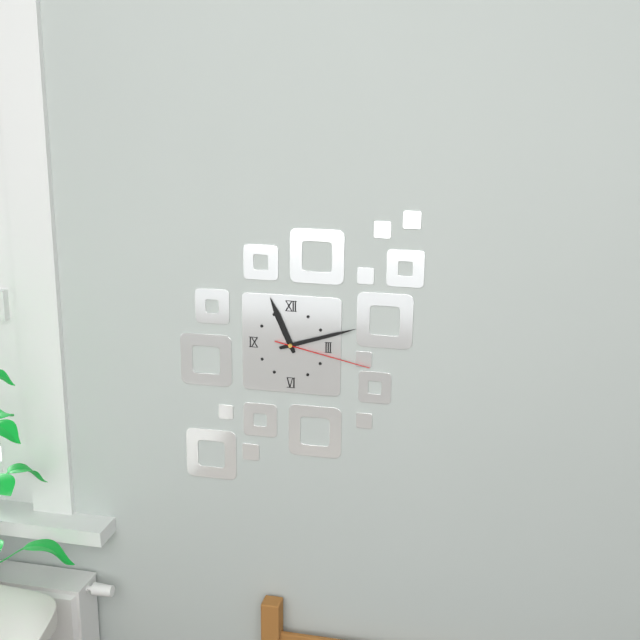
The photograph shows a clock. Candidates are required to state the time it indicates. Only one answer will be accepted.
11:12:17
